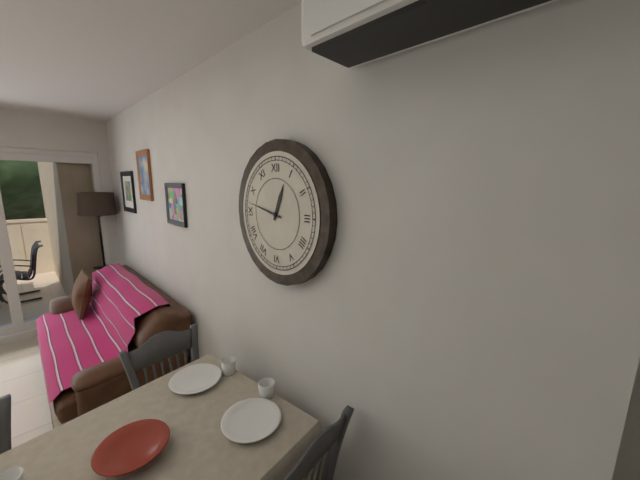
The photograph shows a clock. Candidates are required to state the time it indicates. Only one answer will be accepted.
12:47
